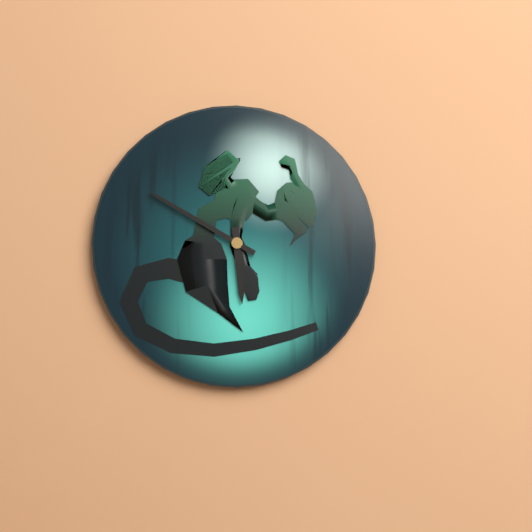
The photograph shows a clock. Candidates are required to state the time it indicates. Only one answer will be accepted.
5:50
